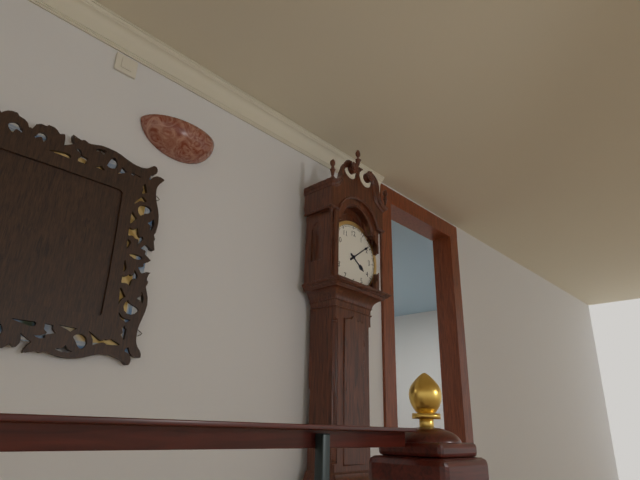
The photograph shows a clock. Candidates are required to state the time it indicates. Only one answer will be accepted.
4:09
